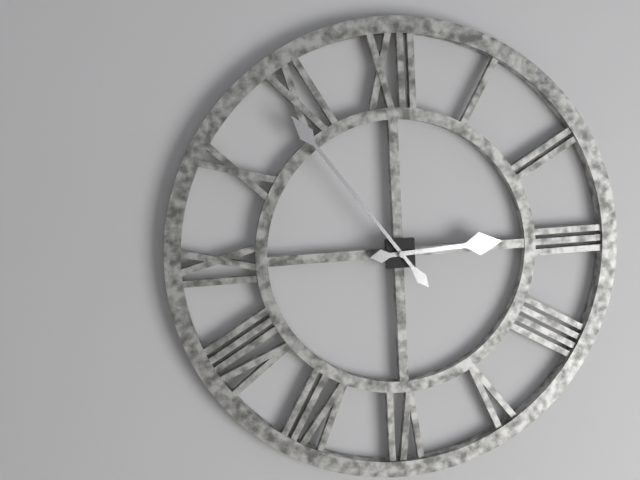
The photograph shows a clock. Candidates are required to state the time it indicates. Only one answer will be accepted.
2:54
